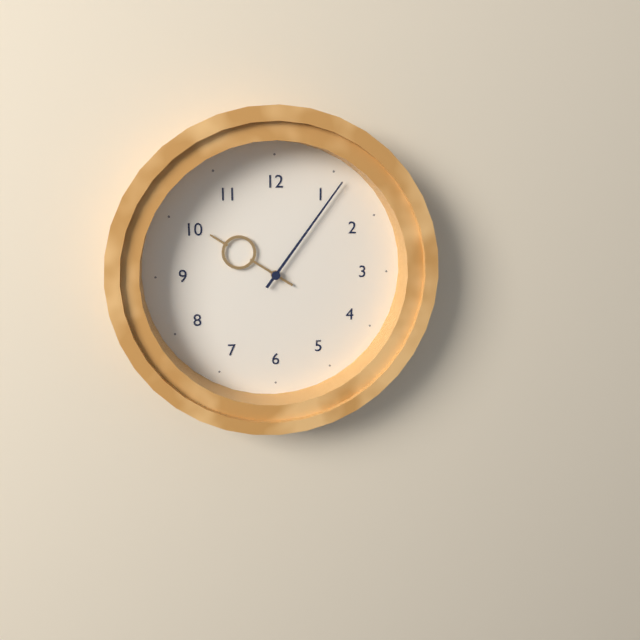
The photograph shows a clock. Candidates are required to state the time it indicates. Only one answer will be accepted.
10:06
